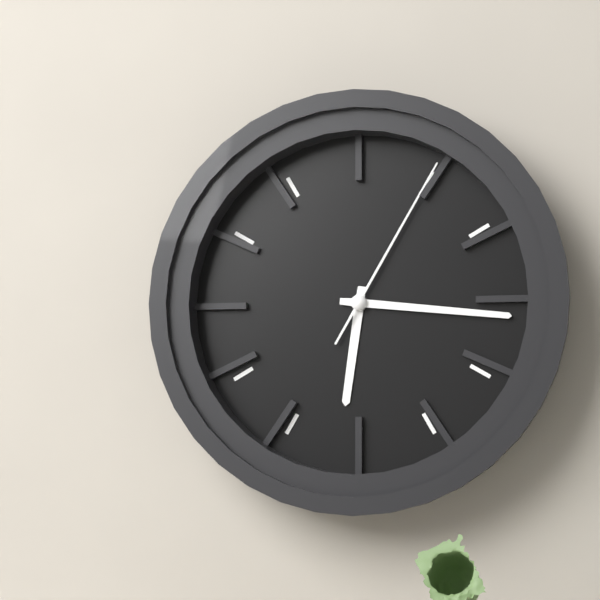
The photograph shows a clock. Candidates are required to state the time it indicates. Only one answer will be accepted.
6:16:05
